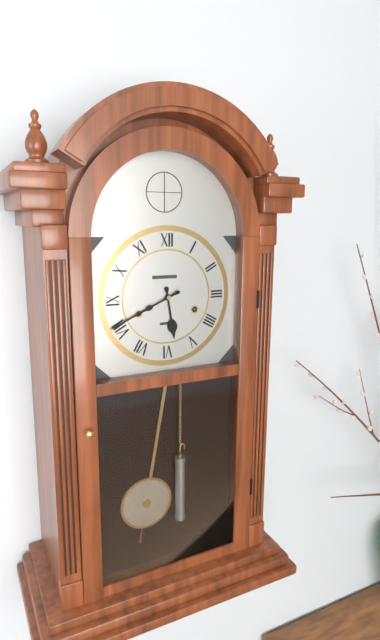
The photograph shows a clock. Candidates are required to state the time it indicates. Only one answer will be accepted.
5:41
